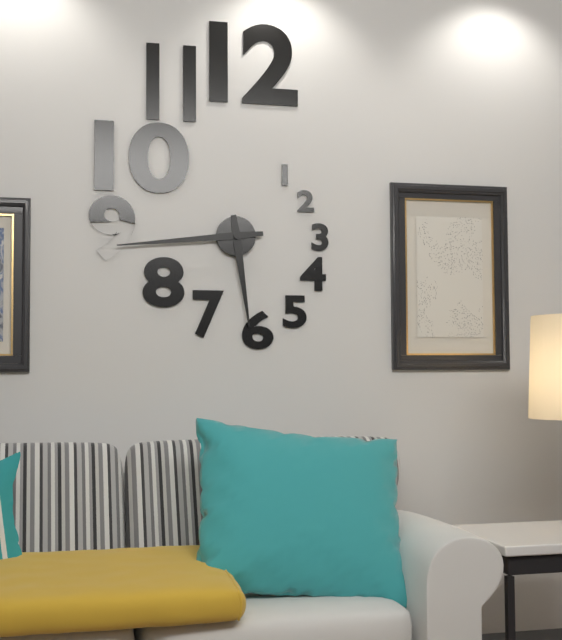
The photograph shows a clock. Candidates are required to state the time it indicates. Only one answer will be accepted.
5:44
